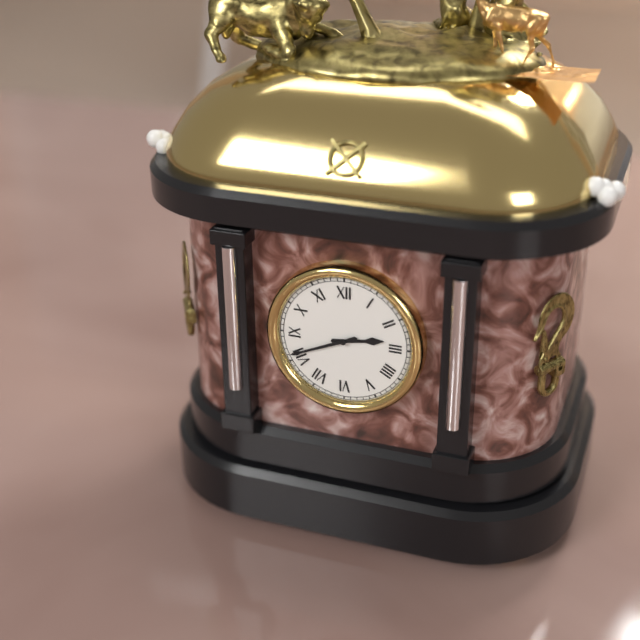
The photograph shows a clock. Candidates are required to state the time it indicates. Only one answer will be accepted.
2:41
